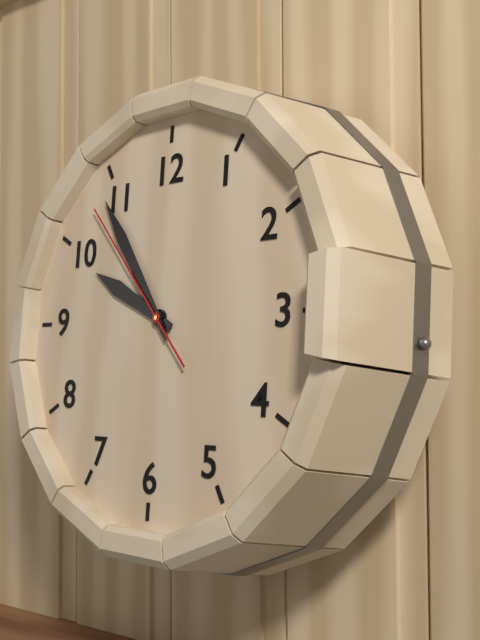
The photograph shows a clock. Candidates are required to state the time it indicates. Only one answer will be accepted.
9:54:53
